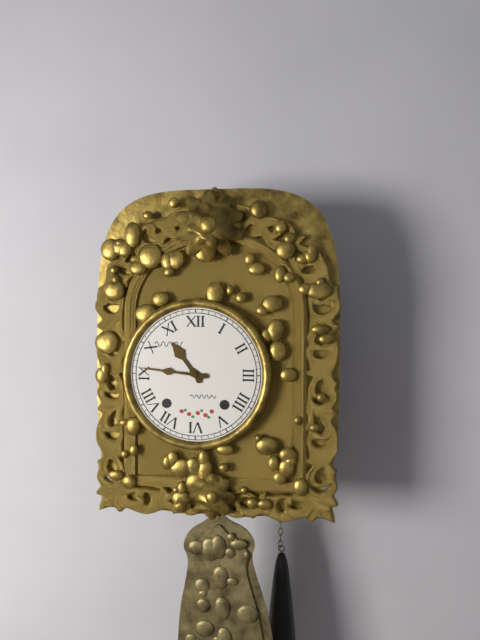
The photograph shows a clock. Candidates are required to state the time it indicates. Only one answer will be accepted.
10:46
